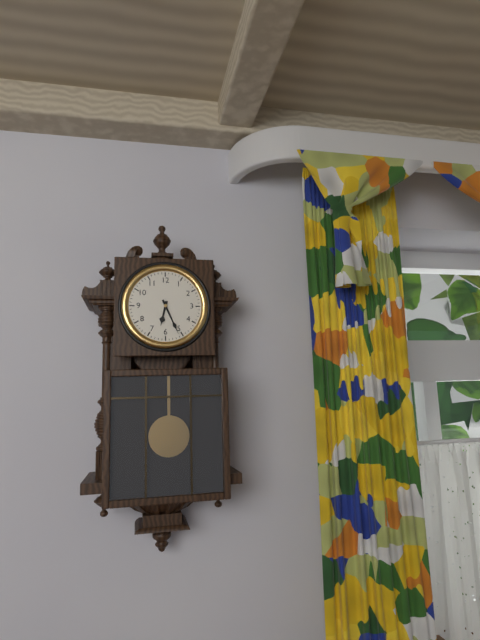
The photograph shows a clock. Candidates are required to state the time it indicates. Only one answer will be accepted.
6:26
